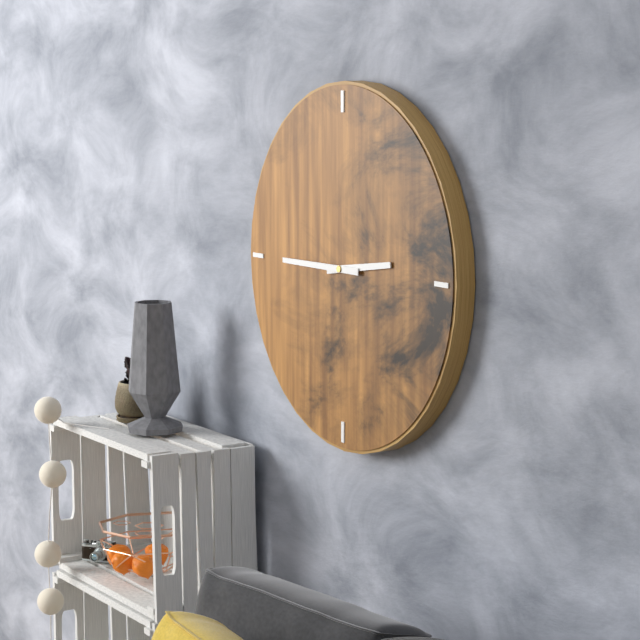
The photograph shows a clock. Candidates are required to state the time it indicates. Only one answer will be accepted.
2:45
